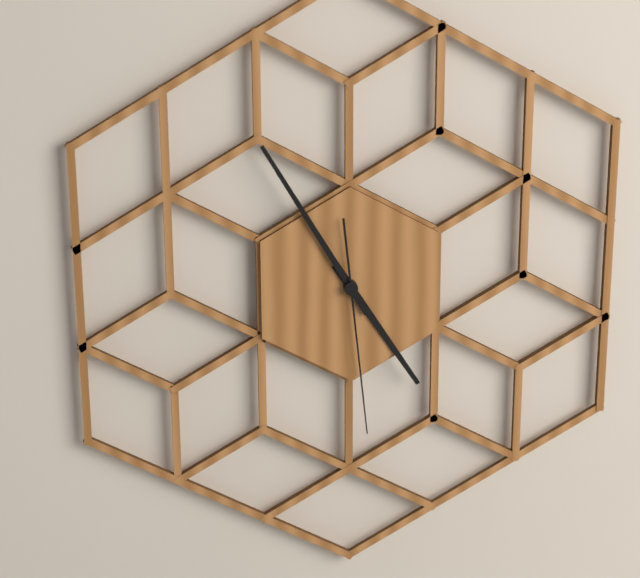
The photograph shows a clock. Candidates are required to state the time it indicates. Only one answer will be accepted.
4:55:29
